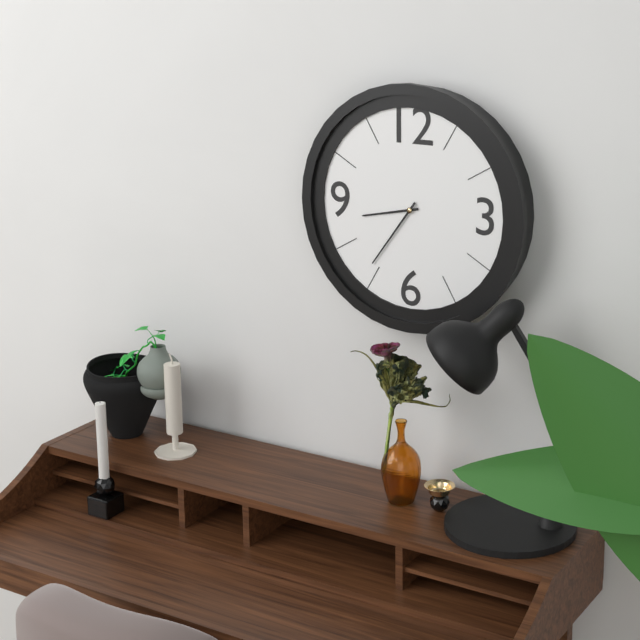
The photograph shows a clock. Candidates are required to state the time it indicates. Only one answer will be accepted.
8:36
